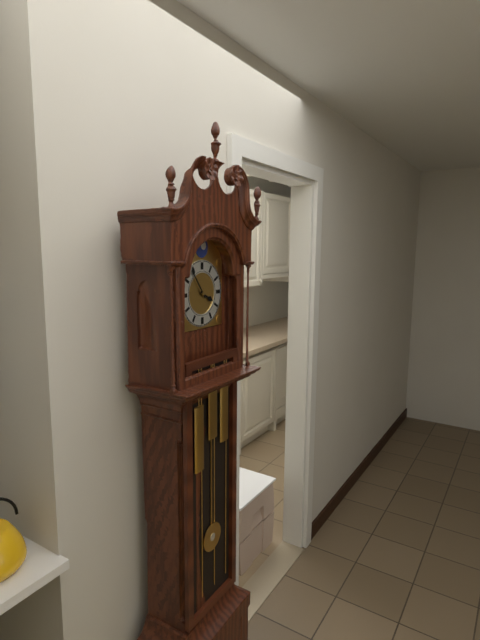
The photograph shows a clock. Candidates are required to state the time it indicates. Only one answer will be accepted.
3:54
